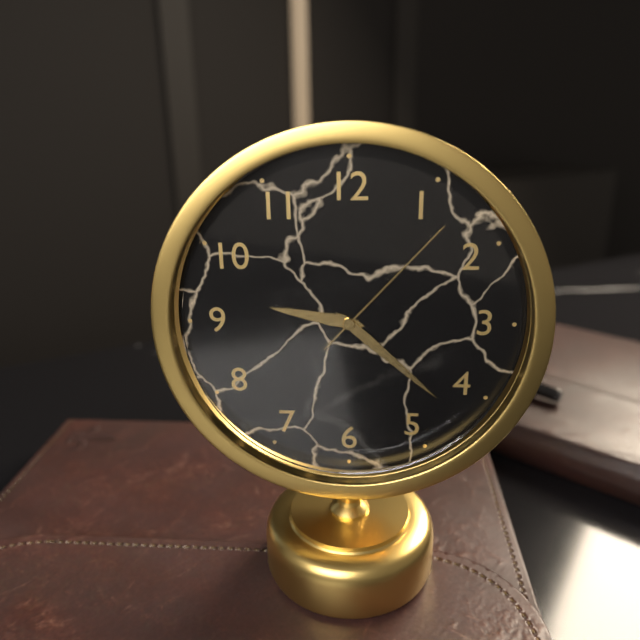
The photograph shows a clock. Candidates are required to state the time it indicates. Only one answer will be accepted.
9:22:07
